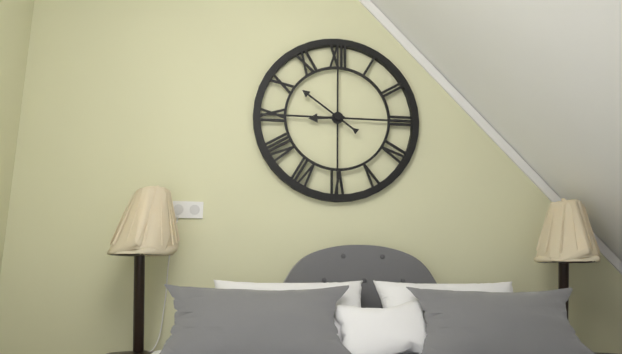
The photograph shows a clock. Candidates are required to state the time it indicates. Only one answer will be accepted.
8:51
